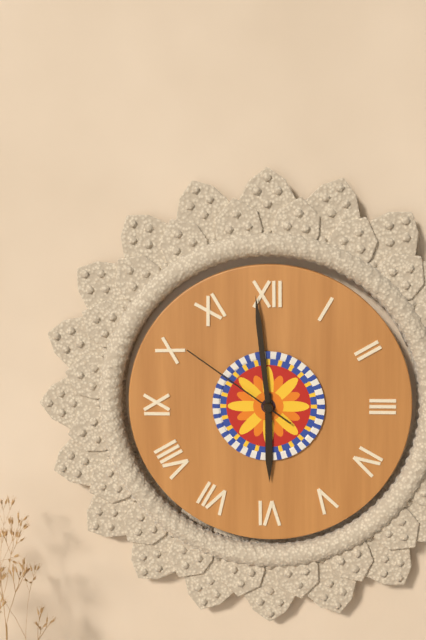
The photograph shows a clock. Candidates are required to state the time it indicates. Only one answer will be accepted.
5:59:51
